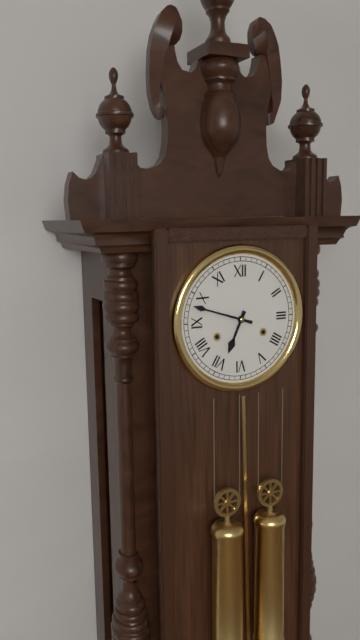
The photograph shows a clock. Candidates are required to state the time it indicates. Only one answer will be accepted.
6:48
